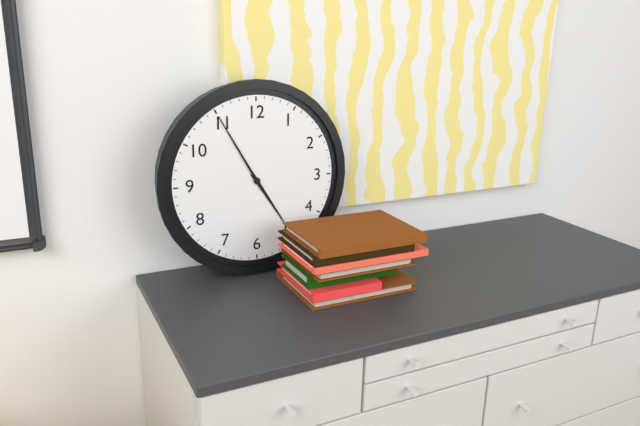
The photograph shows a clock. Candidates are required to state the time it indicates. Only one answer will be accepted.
4:55
